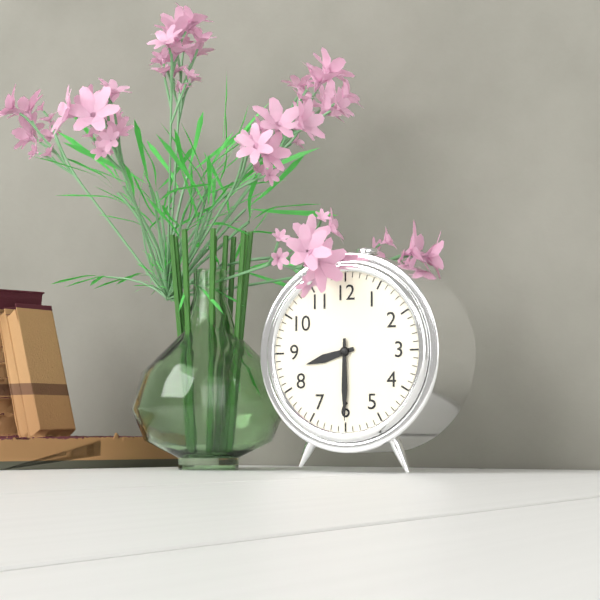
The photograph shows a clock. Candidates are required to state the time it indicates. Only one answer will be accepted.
8:30
